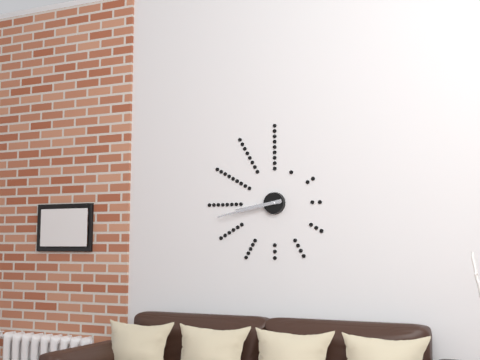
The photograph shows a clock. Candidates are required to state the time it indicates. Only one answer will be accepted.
8:43
